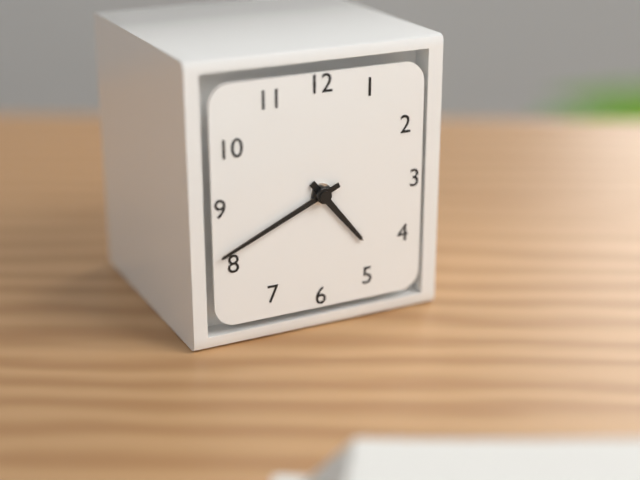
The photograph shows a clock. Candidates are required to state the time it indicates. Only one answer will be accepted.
4:41
